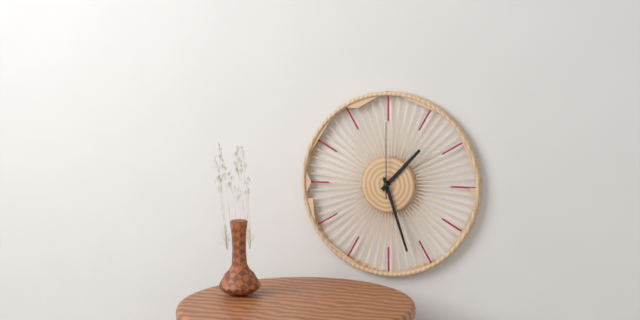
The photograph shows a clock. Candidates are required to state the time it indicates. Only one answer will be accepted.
1:27:00
